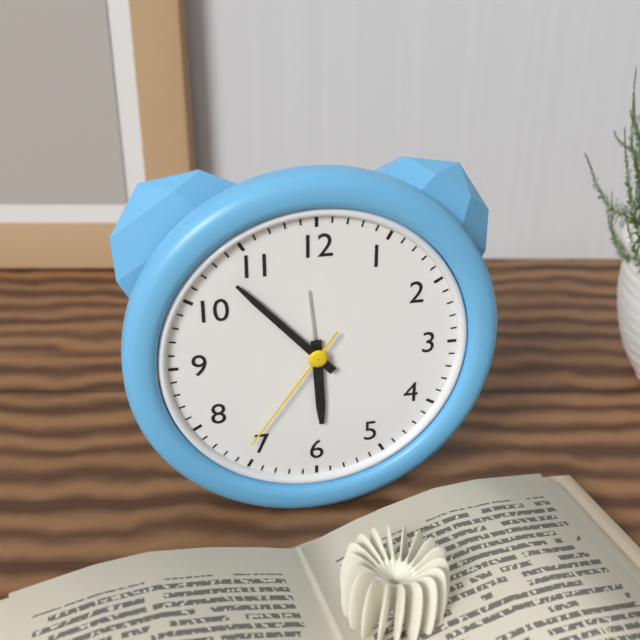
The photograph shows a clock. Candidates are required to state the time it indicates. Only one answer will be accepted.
5:53:36
